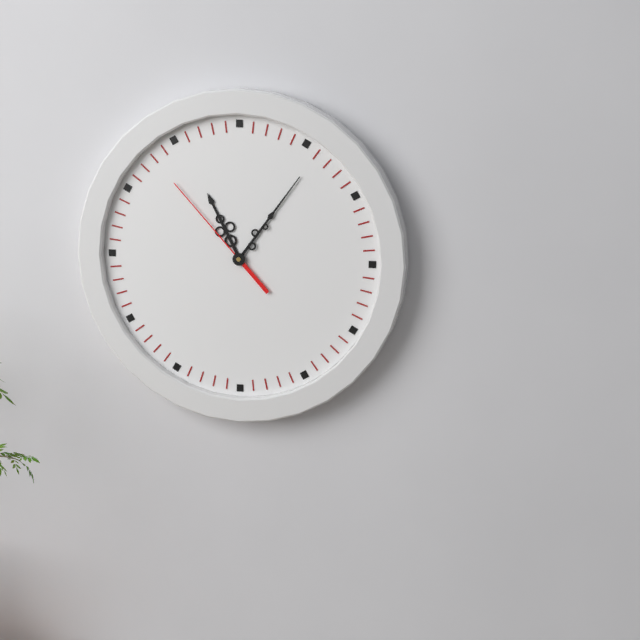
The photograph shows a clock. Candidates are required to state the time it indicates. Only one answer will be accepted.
11:06:53
